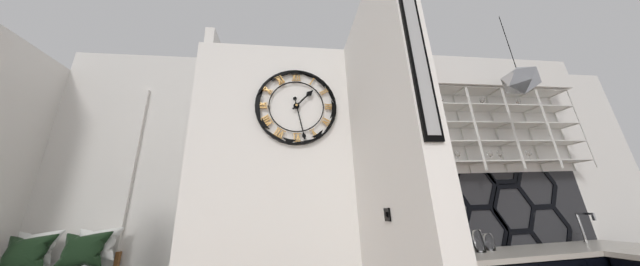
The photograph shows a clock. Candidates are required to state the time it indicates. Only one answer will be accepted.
1:28
